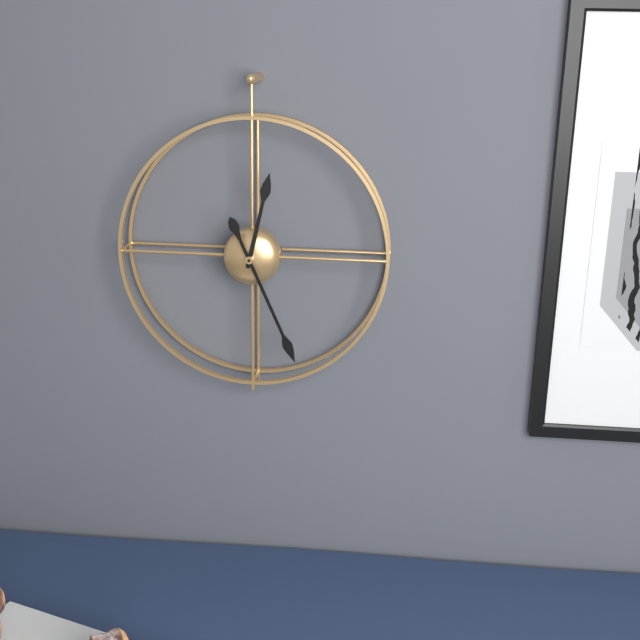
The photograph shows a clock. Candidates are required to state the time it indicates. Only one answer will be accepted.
12:26
